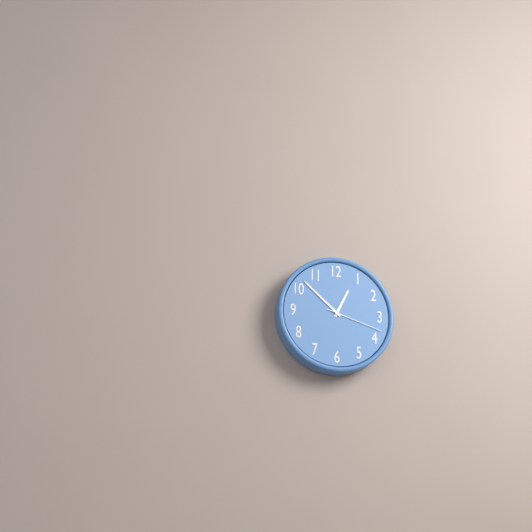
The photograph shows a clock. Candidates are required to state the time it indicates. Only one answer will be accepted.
12:52:18
